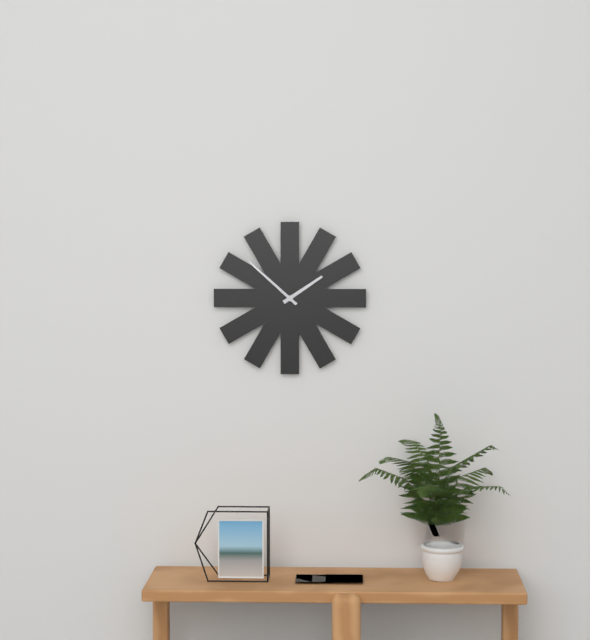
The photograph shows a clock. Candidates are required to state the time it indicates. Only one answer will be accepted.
1:52
